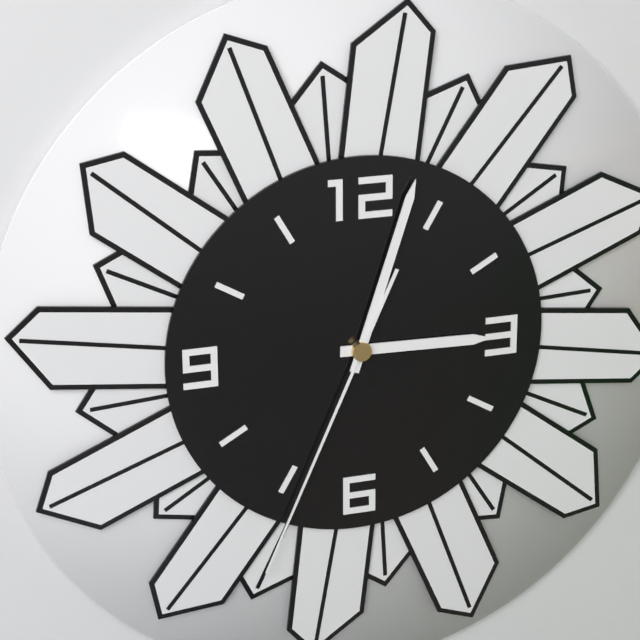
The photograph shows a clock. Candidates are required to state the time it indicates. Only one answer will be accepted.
3:03:34
